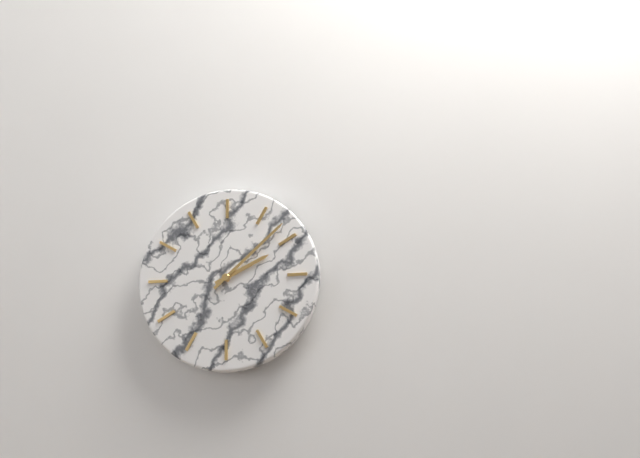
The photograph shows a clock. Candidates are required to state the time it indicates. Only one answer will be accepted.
2:08
